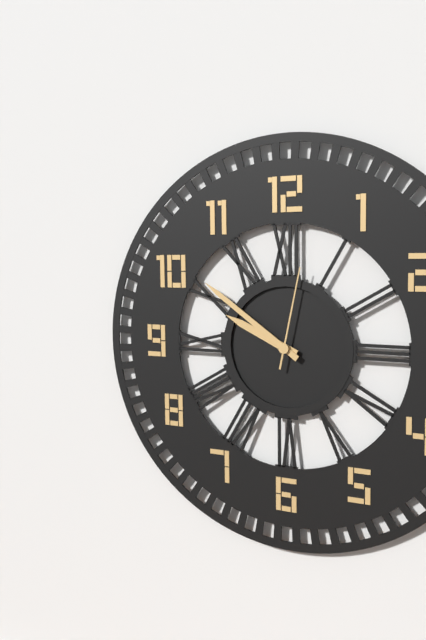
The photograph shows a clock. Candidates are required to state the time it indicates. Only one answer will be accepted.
9:51:02
